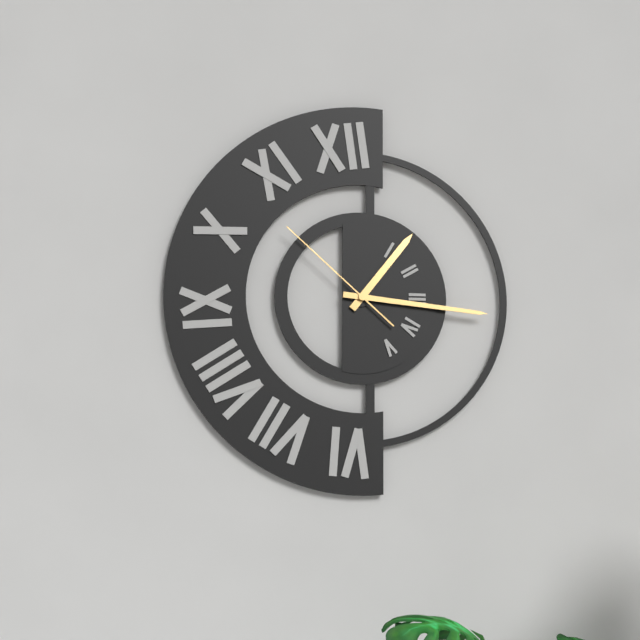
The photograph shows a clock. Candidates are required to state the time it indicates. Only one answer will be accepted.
1:16:52
